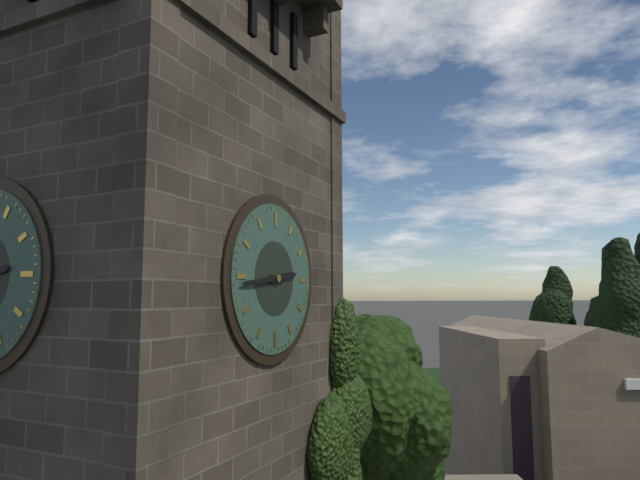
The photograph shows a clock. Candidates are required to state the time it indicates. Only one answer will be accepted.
2:44
